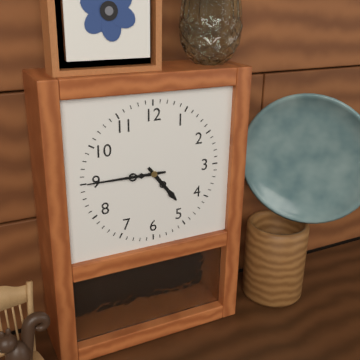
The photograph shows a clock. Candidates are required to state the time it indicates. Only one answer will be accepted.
4:45
